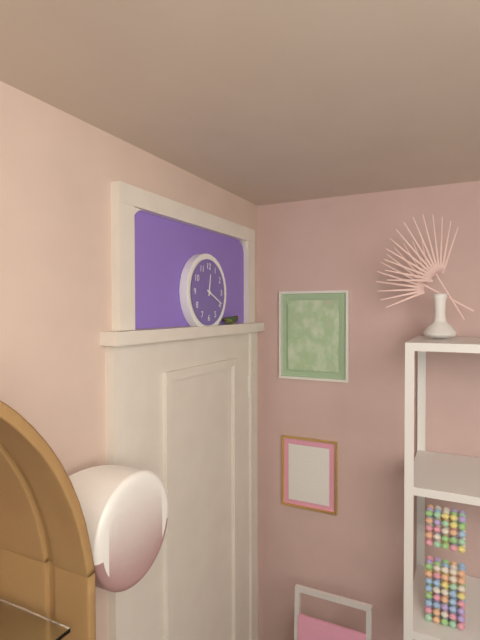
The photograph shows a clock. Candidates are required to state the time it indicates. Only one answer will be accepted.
12:19
